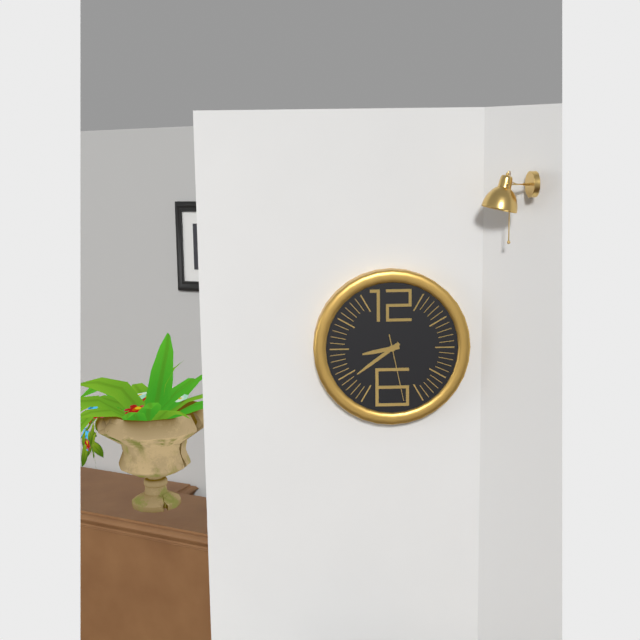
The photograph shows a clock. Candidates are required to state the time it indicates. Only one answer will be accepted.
8:39:28
